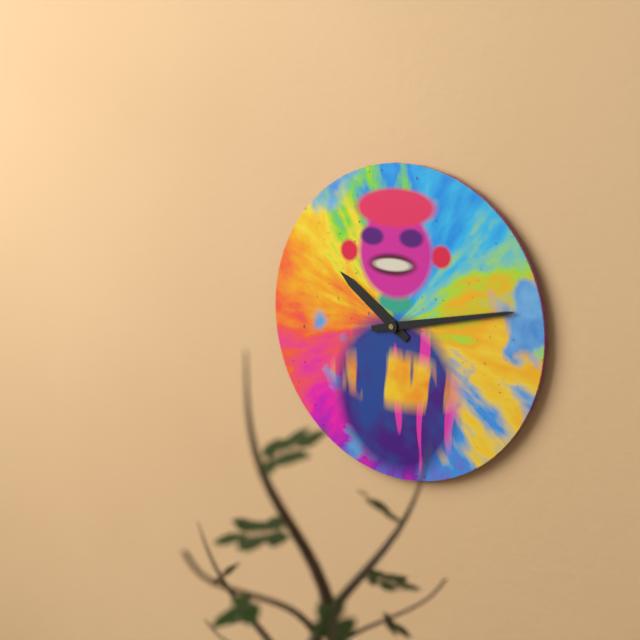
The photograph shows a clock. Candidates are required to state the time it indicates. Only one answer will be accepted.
10:13
